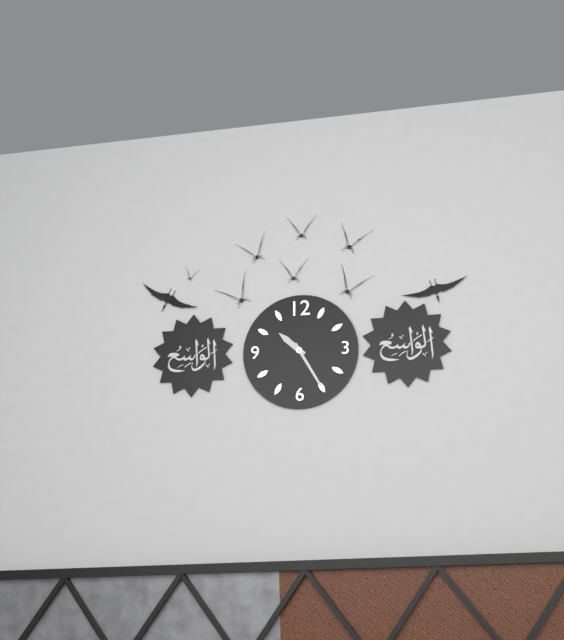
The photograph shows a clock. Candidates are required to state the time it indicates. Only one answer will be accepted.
10:25
